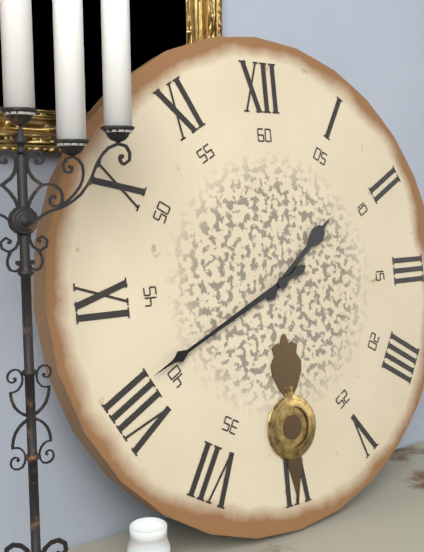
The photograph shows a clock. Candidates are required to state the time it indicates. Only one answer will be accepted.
1:41
